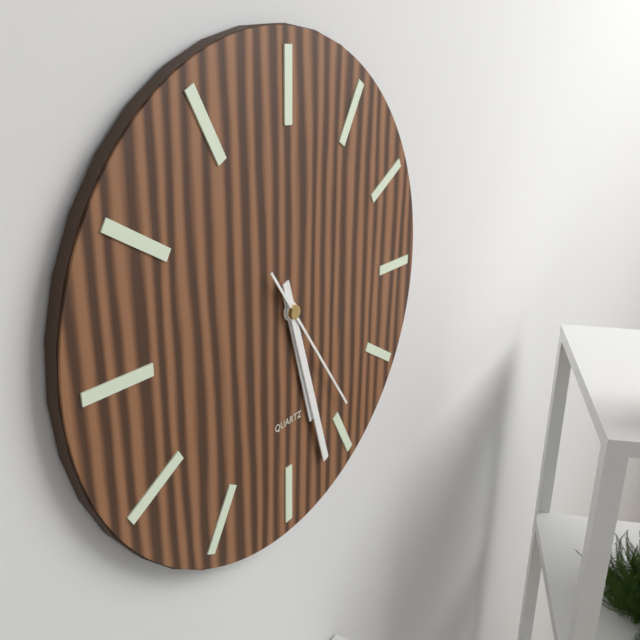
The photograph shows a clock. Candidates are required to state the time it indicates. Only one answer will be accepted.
5:27:24
